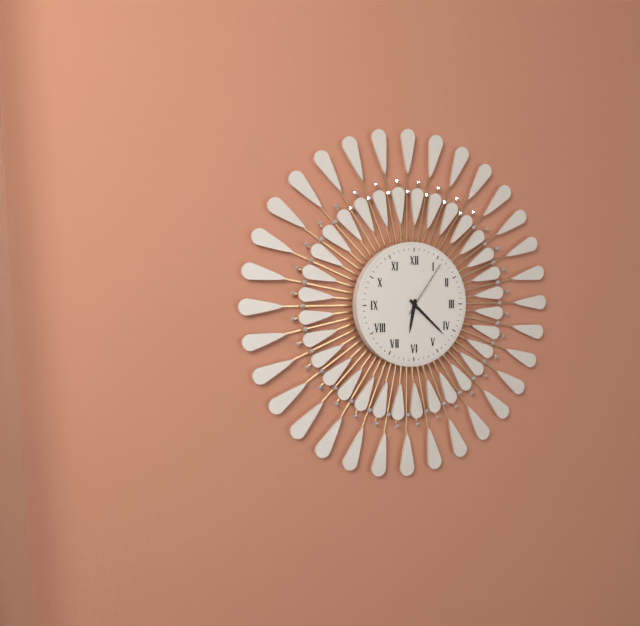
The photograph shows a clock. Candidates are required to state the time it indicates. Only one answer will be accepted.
6:22:06
